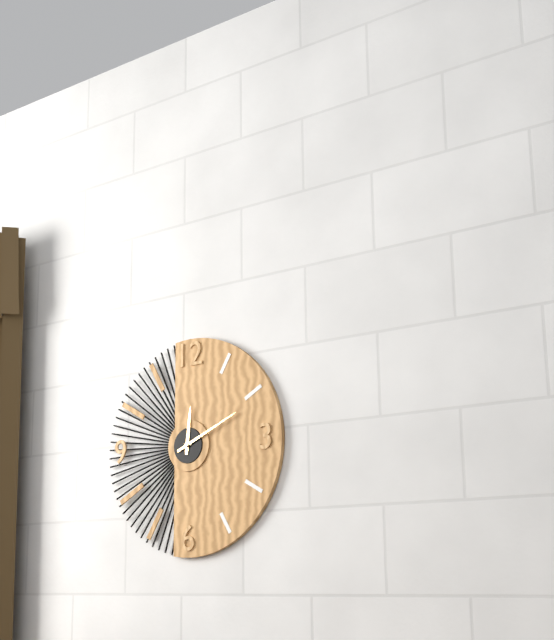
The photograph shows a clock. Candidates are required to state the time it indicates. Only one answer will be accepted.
12:11
